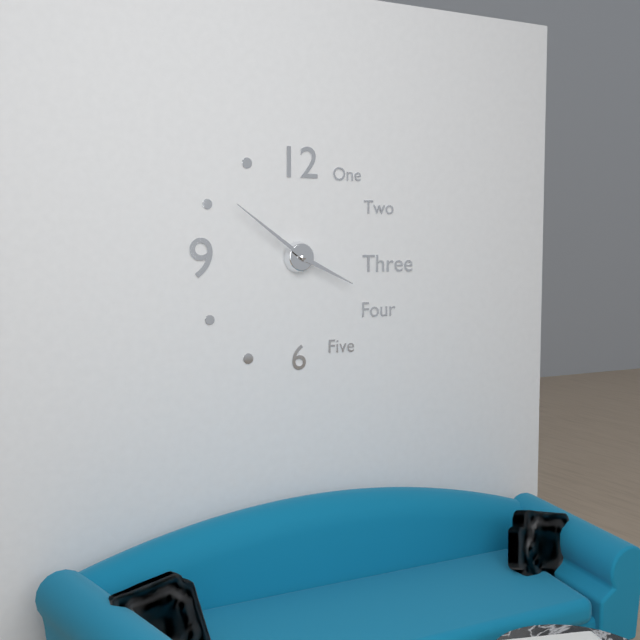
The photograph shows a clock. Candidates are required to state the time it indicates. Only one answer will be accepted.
3:51
